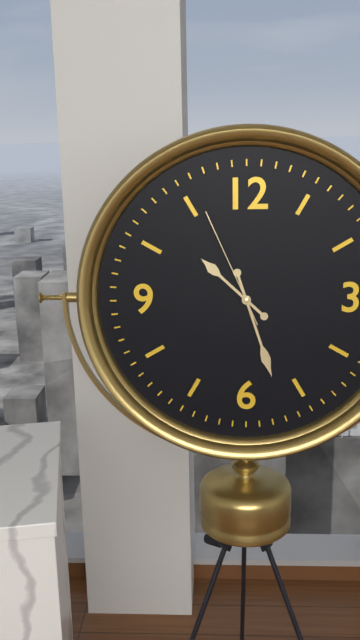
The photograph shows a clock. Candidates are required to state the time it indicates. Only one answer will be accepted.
10:27:56
